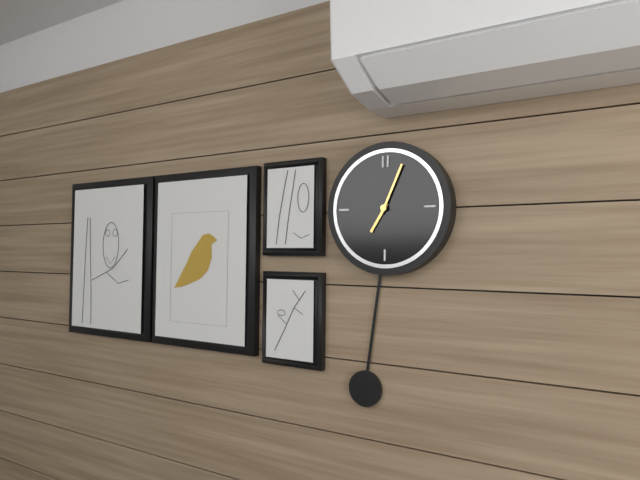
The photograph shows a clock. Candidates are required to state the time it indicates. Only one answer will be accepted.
7:04
